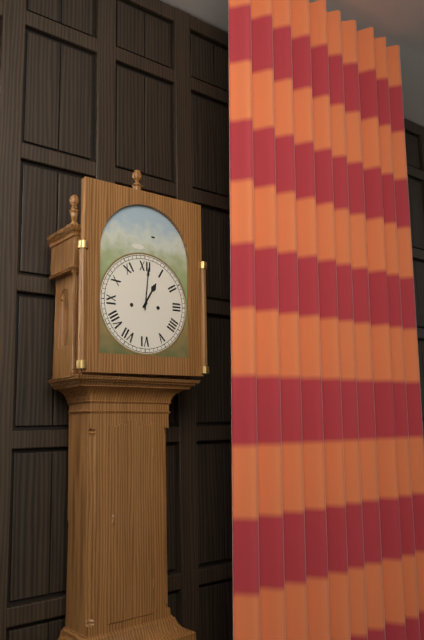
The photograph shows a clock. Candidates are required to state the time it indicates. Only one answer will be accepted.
1:01
